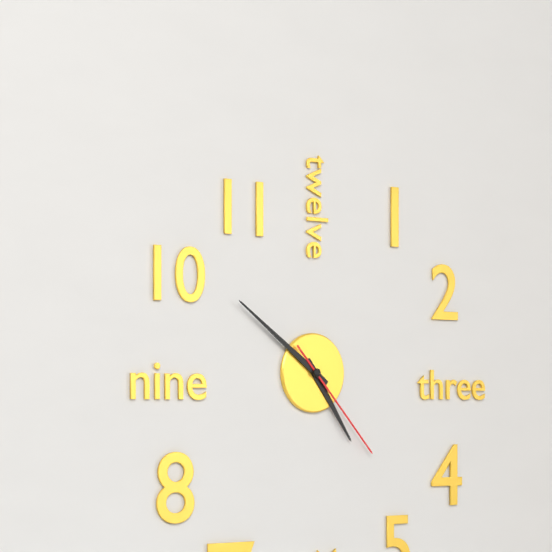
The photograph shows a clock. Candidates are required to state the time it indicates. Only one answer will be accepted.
4:51:23
